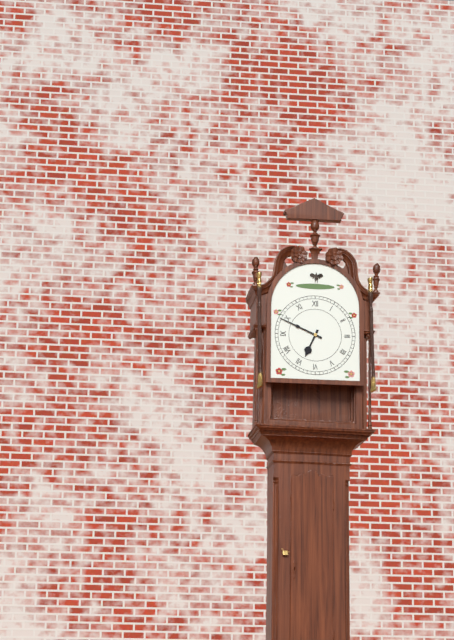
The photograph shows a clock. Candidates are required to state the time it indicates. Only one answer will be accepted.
6:49
